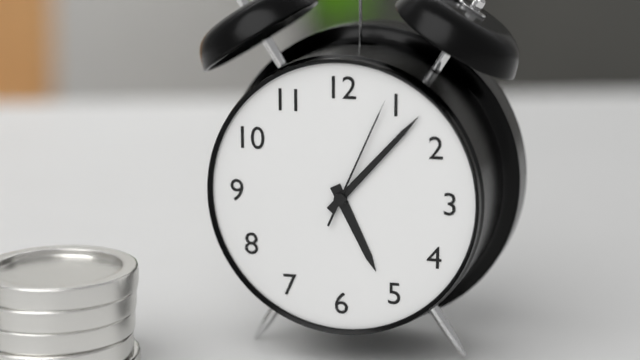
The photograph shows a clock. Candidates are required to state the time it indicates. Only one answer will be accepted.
5:07:04
